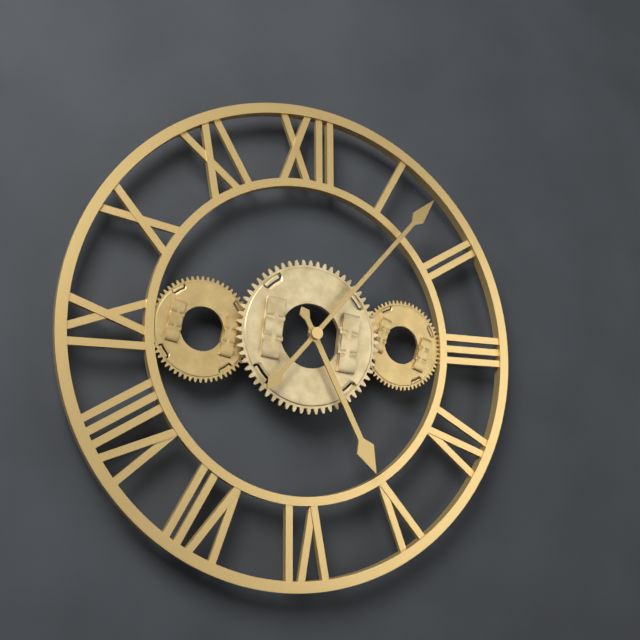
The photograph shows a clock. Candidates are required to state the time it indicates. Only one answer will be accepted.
5:07
